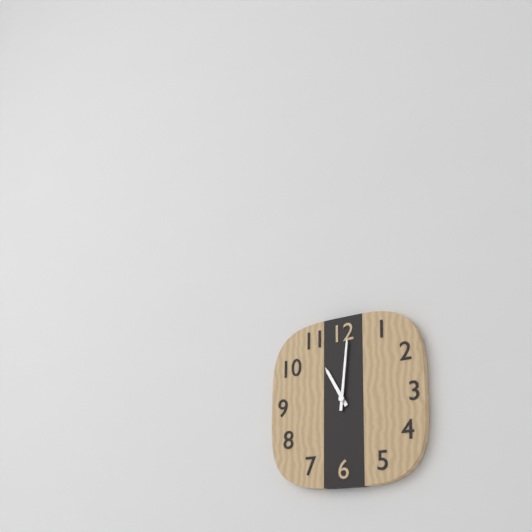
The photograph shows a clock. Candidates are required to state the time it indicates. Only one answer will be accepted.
11:01
